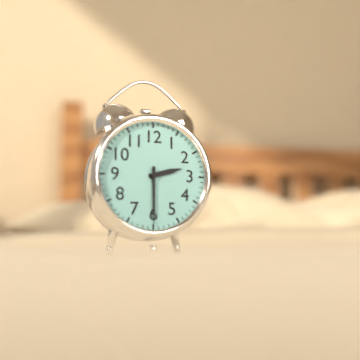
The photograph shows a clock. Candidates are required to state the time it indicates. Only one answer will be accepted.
2:30
